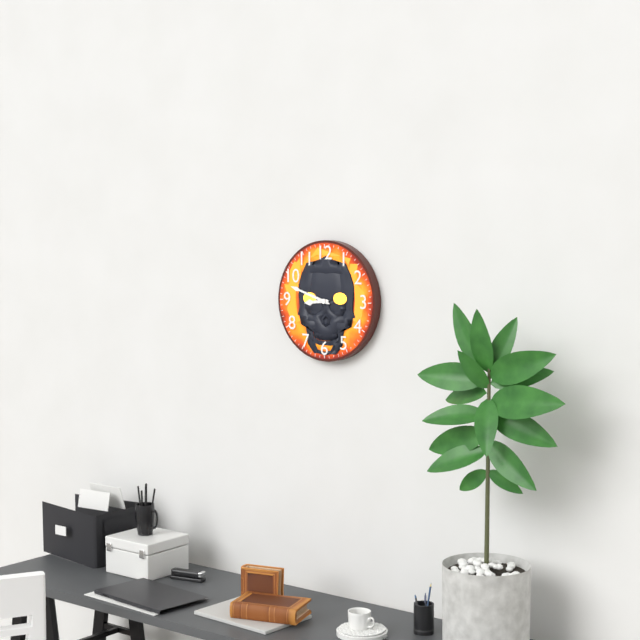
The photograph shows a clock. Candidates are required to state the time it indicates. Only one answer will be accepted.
8:48
